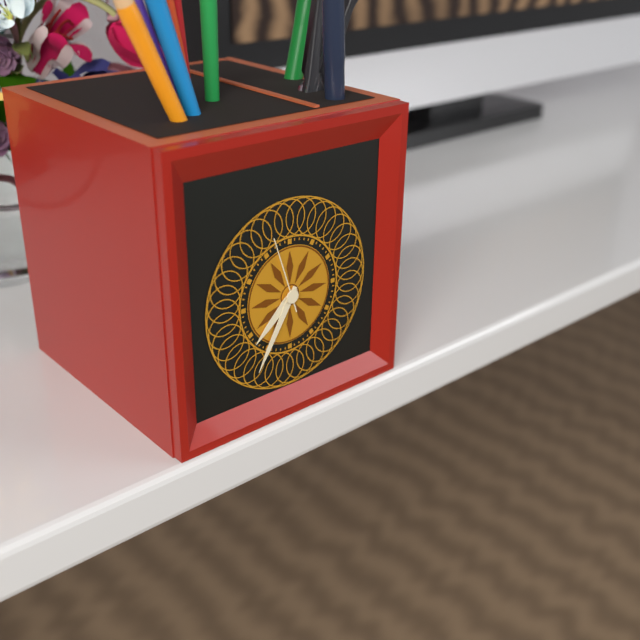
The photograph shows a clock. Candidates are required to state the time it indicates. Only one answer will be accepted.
7:35:57
